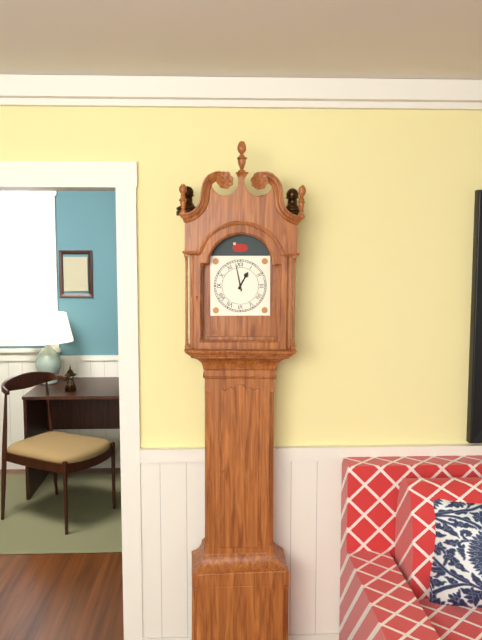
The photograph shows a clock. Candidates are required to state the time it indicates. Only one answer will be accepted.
12:58
